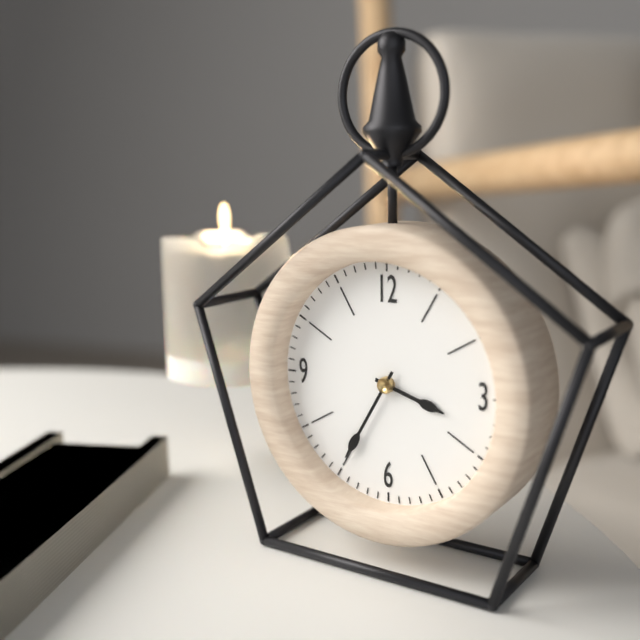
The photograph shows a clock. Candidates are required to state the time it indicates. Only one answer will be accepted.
3:35
